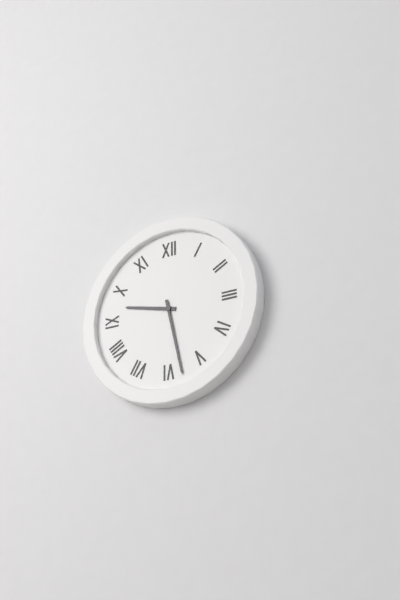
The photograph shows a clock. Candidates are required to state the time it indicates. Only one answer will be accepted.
9:28
